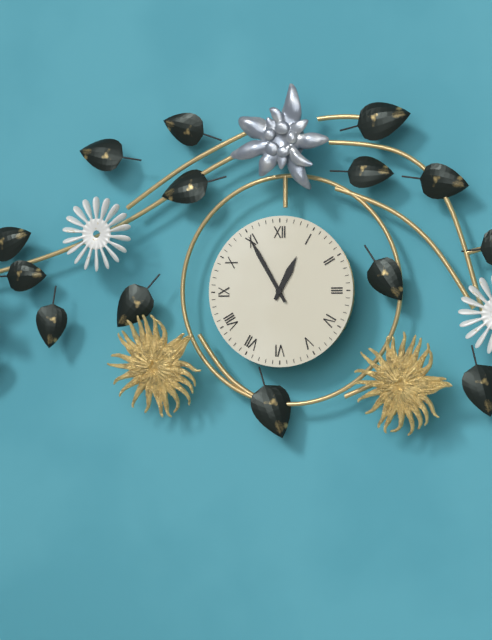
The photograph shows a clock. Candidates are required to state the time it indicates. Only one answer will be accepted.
12:55
